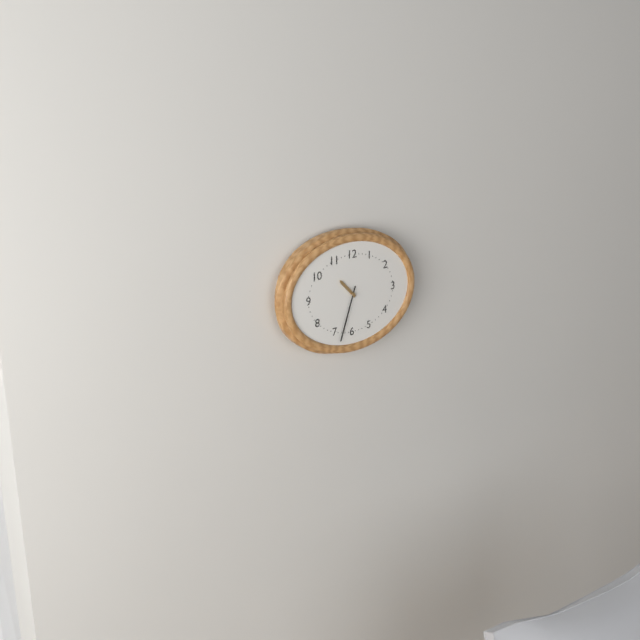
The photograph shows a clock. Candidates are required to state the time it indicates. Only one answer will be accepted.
10:33
